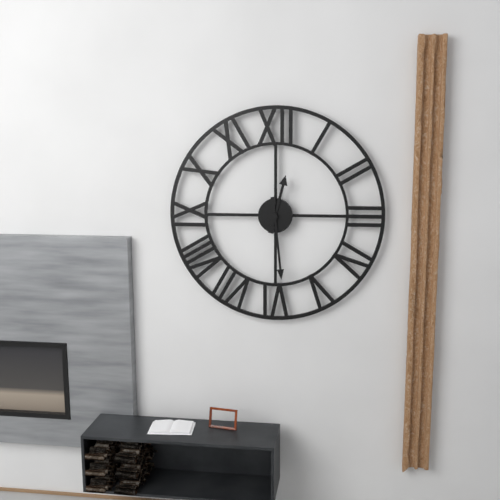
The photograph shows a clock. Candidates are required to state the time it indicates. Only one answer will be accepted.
12:29
